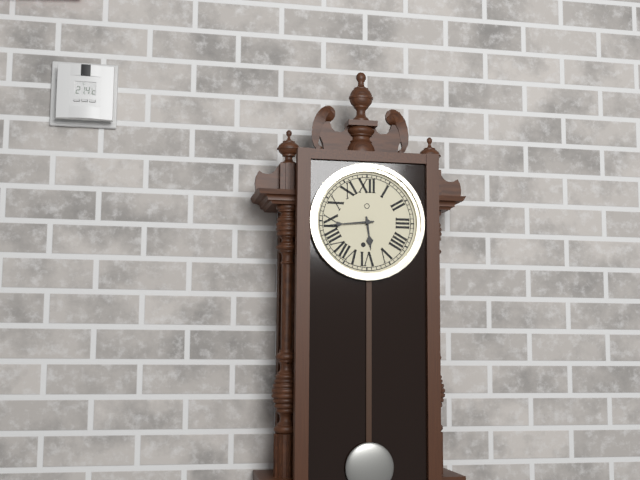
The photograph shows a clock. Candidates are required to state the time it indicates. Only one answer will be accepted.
5:44
